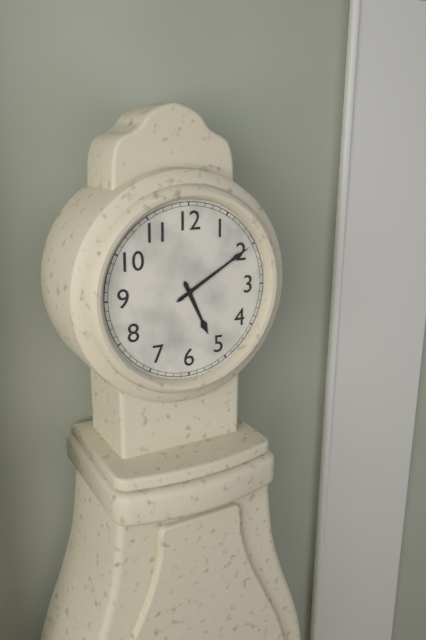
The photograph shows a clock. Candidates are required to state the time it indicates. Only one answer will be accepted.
5:10
